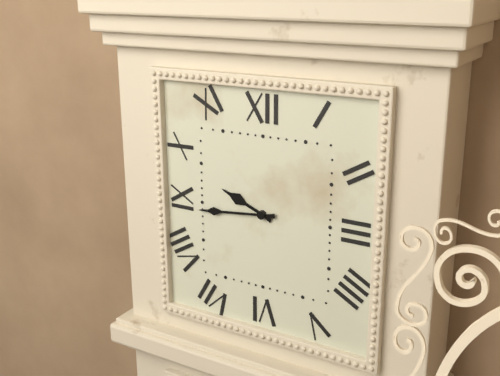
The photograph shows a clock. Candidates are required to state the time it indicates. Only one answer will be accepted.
9:44
